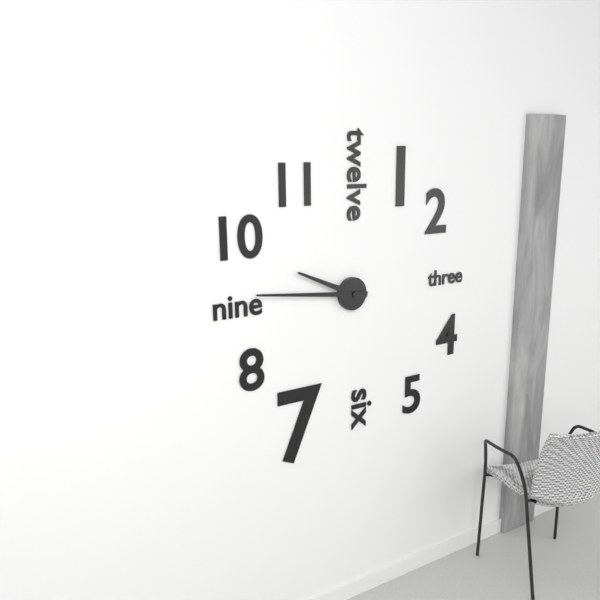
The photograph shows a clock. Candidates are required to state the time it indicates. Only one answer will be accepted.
9:46
